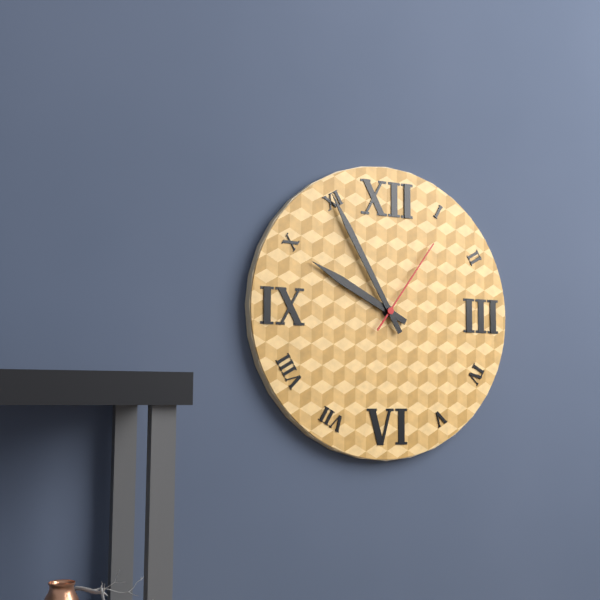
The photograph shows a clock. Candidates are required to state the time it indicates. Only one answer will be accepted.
9:55:06
